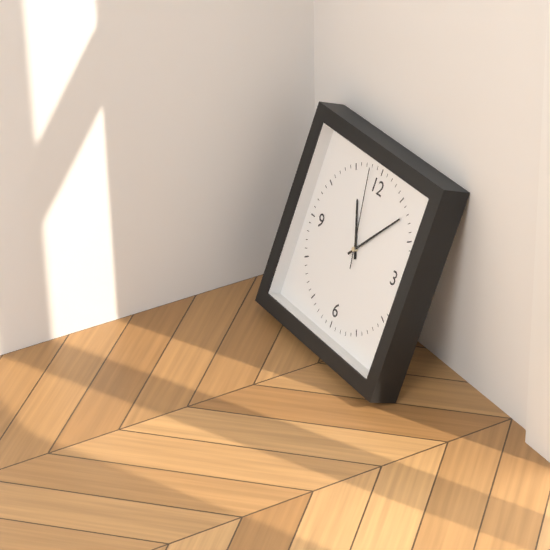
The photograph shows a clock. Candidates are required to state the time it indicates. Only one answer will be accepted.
11:07:58
